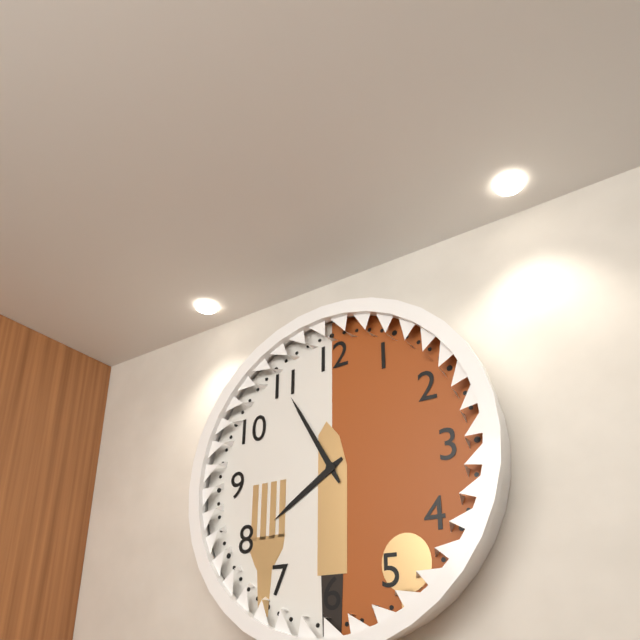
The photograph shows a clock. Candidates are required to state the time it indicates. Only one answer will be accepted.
7:55
